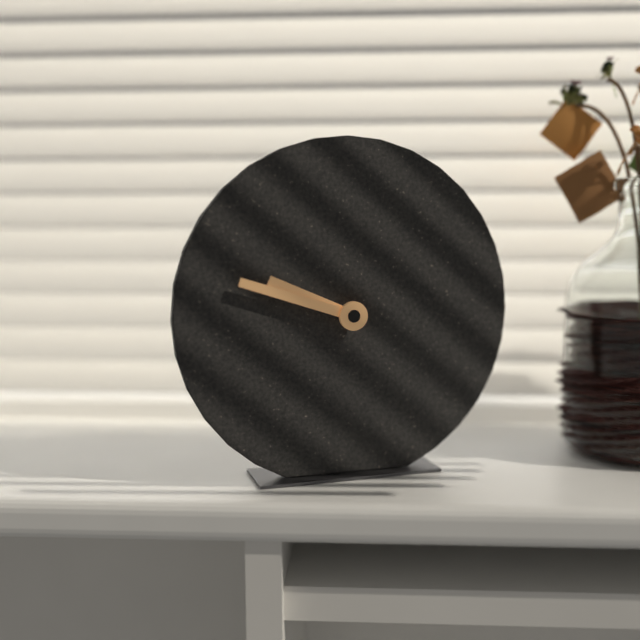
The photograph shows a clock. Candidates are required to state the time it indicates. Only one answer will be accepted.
9:48
